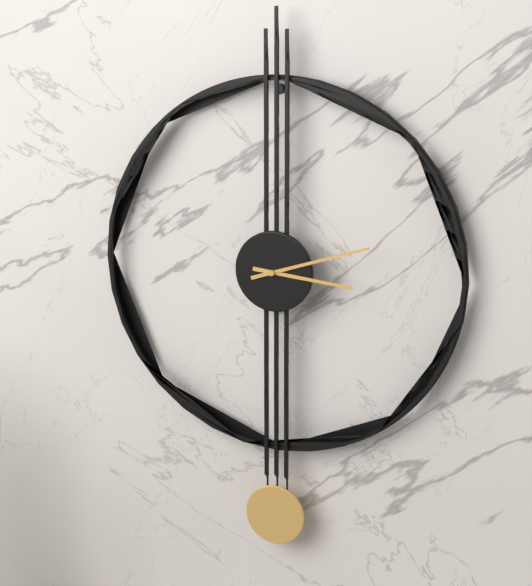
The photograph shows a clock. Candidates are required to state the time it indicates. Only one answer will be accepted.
3:12
